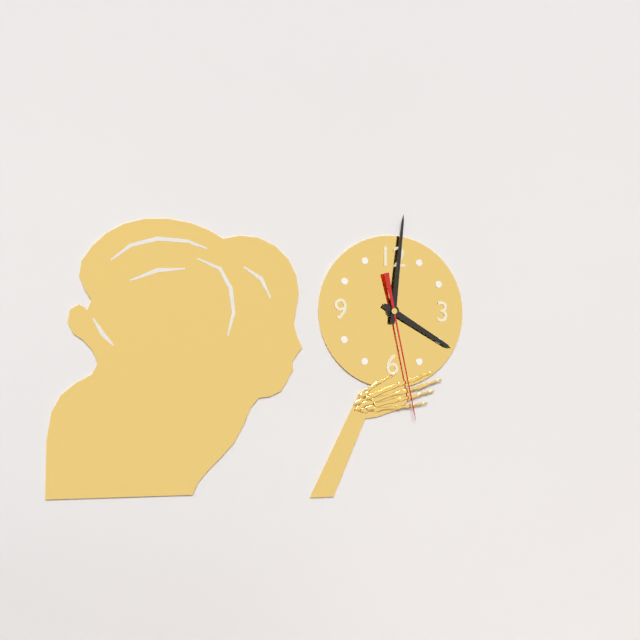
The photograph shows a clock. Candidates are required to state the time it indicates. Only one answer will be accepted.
4:01:28
